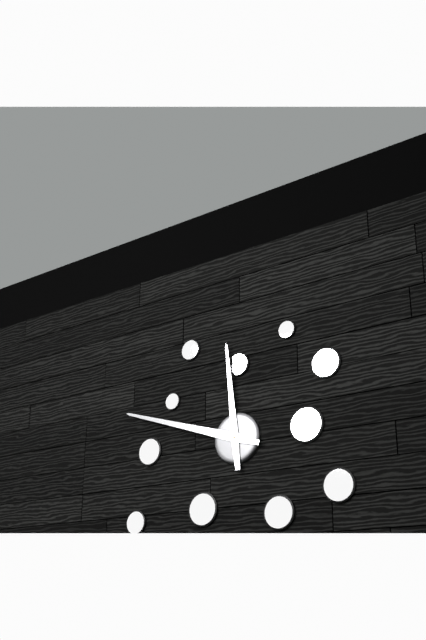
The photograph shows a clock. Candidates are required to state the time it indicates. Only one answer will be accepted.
11:48
